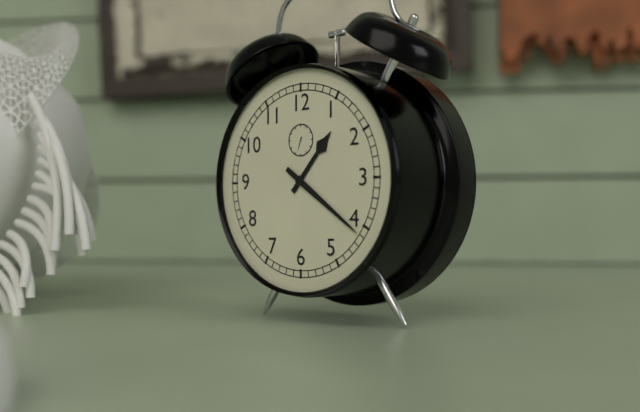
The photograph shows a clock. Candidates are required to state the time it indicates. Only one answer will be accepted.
1:21
